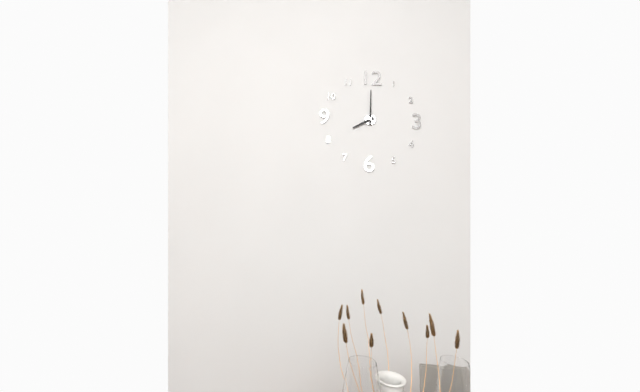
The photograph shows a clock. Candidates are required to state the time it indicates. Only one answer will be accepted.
8:00
